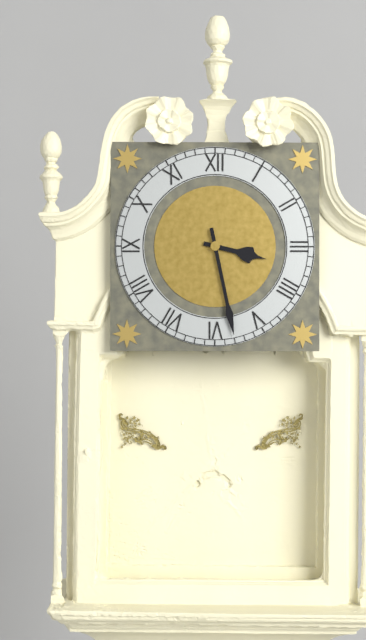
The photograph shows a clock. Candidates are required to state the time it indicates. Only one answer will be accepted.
3:28
